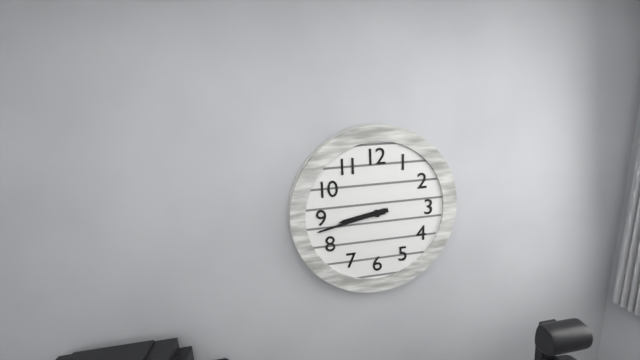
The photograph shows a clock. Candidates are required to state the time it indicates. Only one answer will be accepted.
8:43
